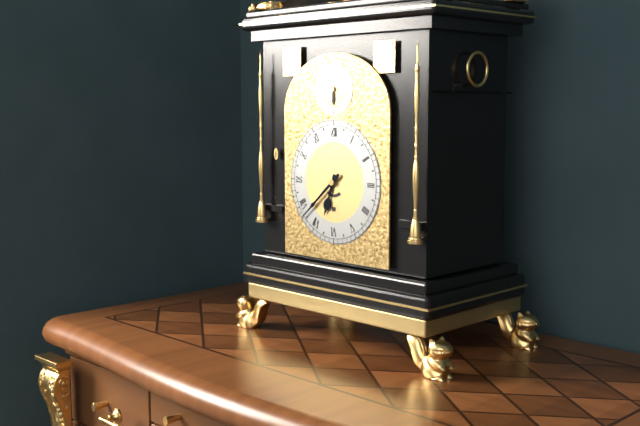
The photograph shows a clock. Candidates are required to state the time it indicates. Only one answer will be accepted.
6:38
